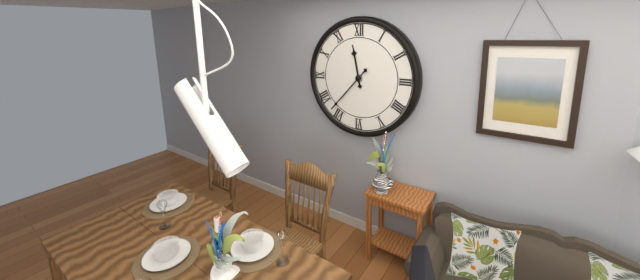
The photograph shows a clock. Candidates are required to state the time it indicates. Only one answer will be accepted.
11:37
